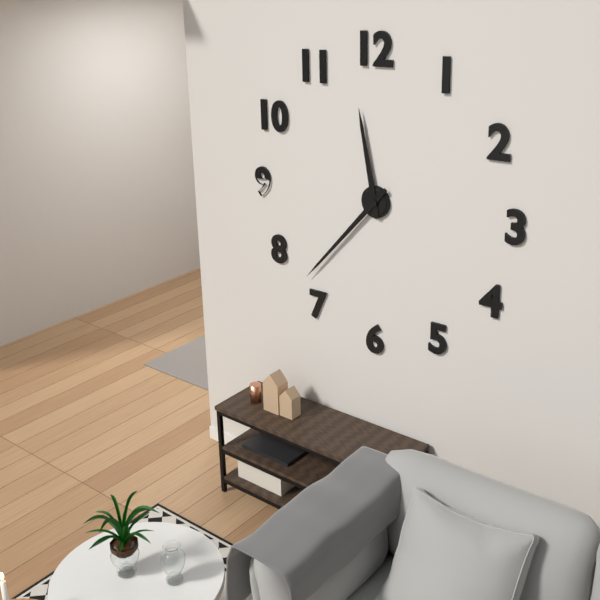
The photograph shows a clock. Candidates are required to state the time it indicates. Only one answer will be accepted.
11:37
